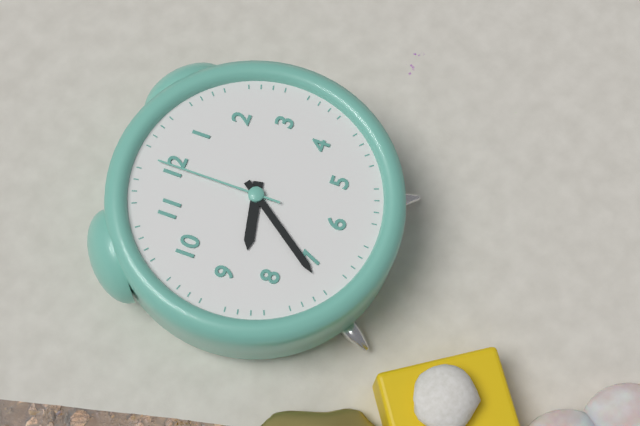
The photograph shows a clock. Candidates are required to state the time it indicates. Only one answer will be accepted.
8:36:00
